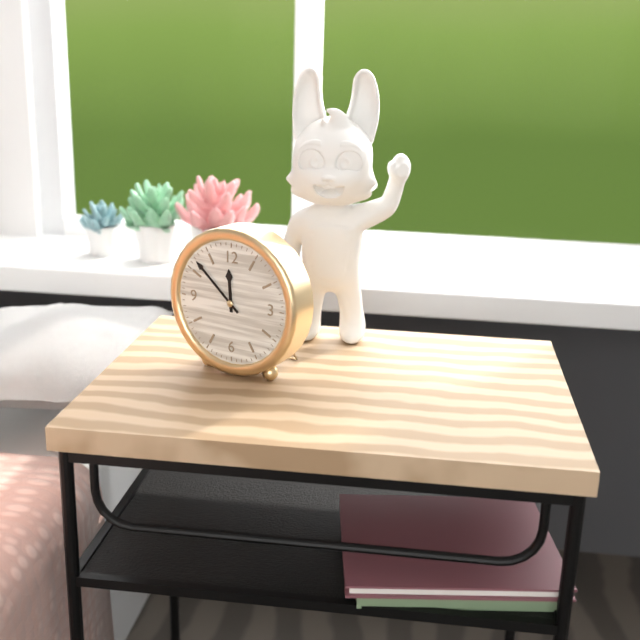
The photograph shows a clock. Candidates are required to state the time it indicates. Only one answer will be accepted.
11:52
